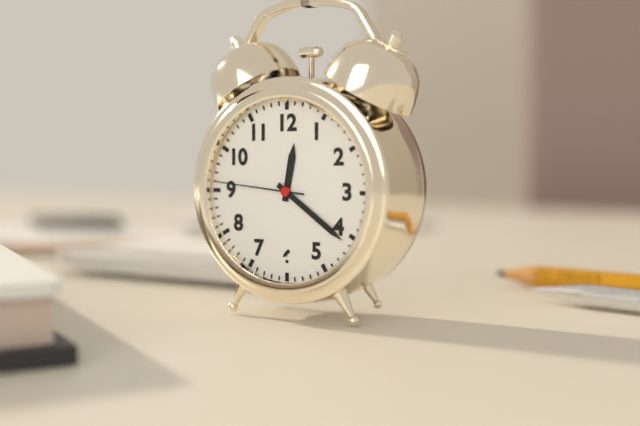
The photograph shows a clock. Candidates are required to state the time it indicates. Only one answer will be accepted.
12:21:46
